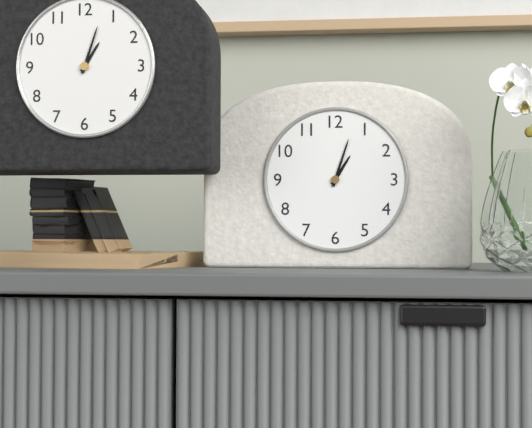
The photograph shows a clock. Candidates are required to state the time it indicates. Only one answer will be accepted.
1:03
